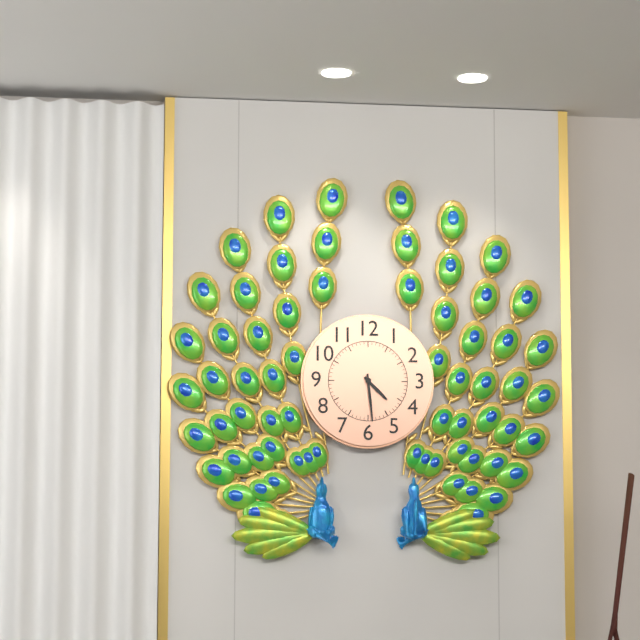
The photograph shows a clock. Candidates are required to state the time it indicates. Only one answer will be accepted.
4:29
